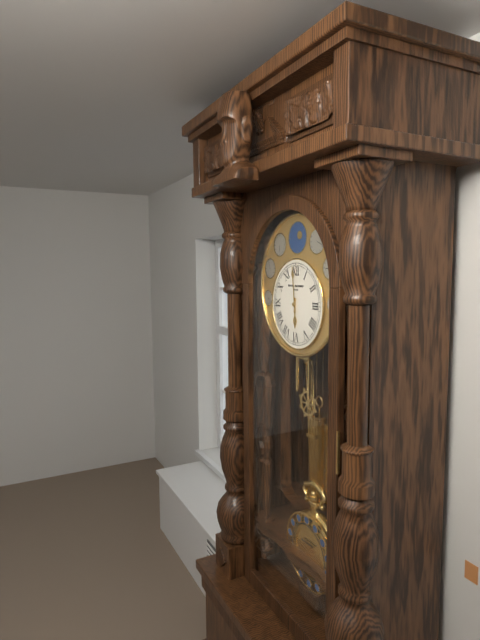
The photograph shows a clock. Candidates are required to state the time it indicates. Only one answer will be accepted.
5:59
